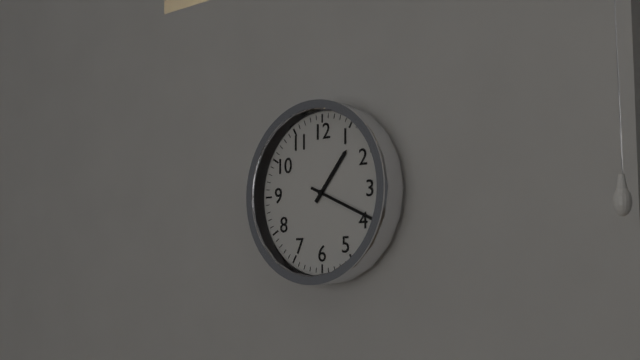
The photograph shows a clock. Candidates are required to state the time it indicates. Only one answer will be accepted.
1:19
